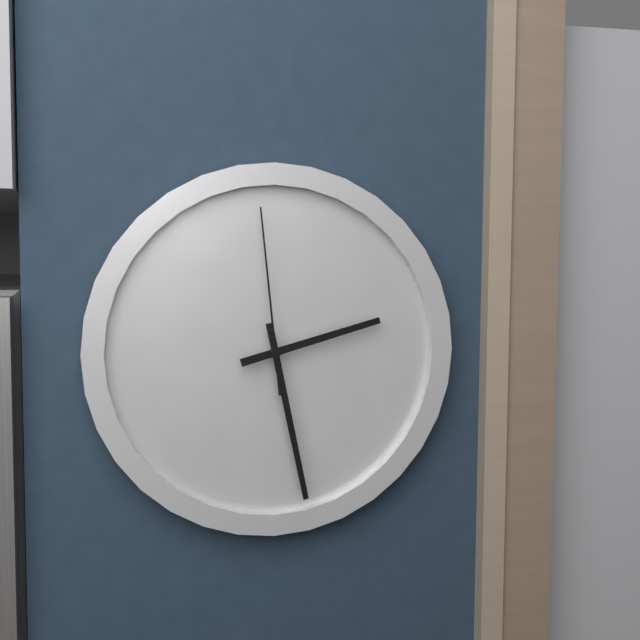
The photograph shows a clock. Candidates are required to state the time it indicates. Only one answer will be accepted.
2:28:59
